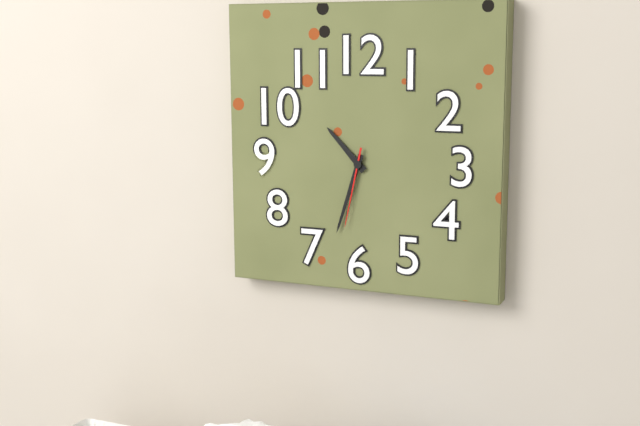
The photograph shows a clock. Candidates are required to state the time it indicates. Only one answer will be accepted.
10:33:32
